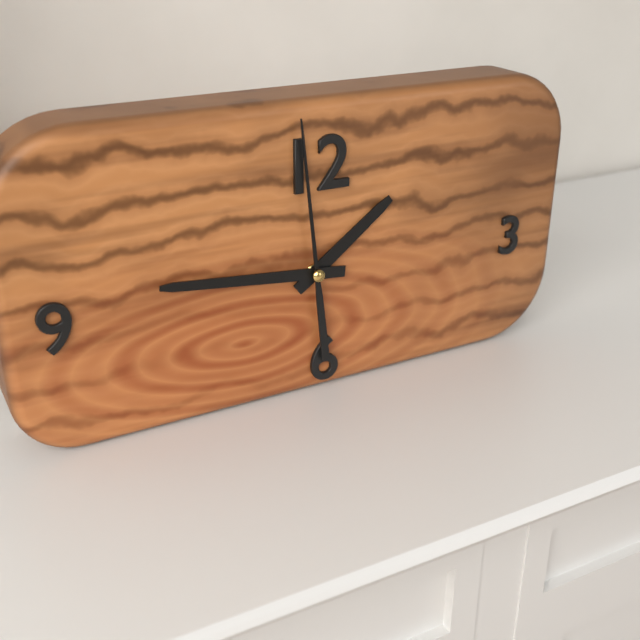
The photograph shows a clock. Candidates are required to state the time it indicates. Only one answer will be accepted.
1:46:59
